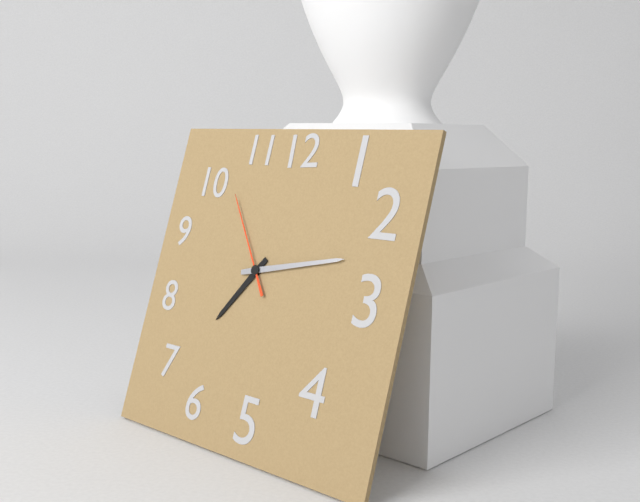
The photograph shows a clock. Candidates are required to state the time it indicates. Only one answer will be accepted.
7:13:54
